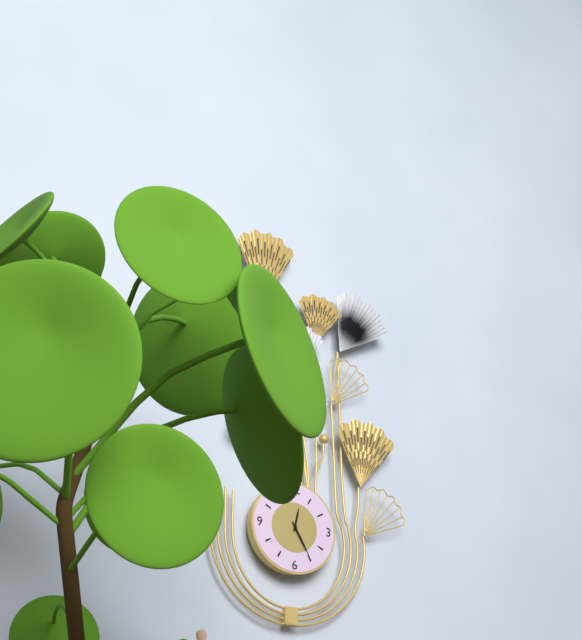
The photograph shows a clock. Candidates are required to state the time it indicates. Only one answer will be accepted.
12:25
